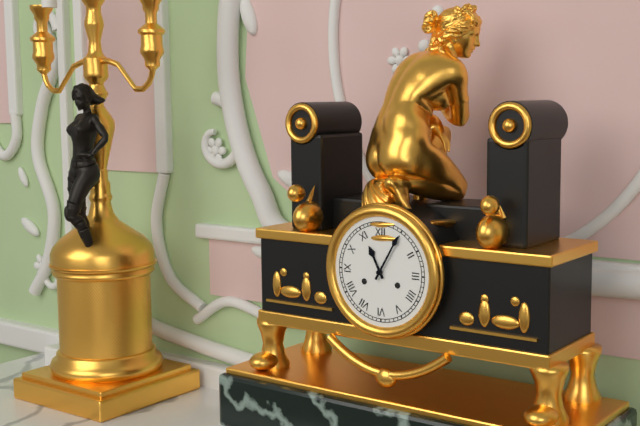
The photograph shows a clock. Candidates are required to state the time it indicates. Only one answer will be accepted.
11:05
